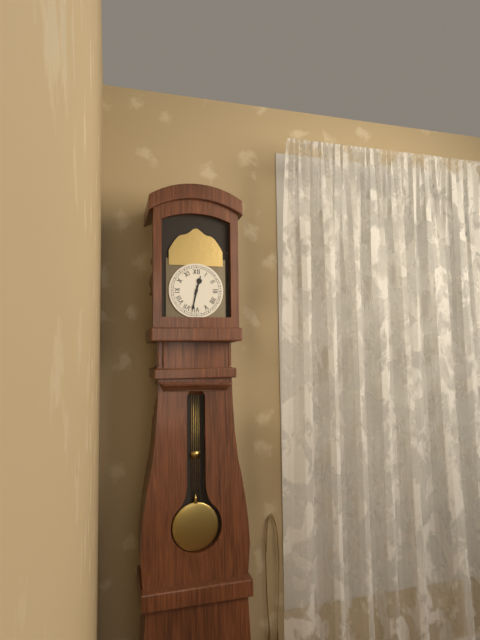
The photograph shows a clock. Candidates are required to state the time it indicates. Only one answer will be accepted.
12:32
